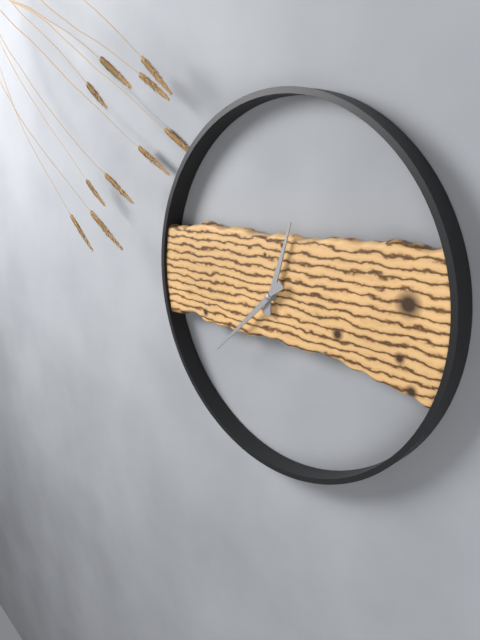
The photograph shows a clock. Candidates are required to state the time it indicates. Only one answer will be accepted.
12:38
